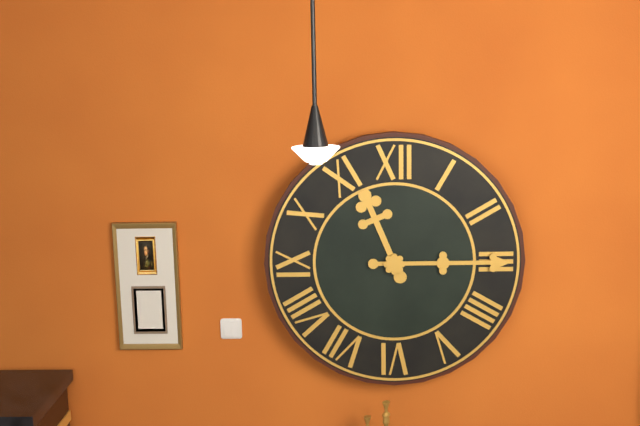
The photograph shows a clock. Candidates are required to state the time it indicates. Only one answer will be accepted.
11:15
